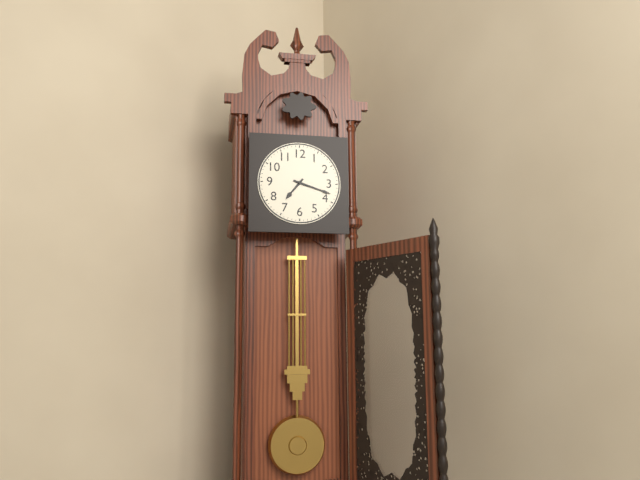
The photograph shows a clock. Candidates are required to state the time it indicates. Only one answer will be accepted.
7:18
